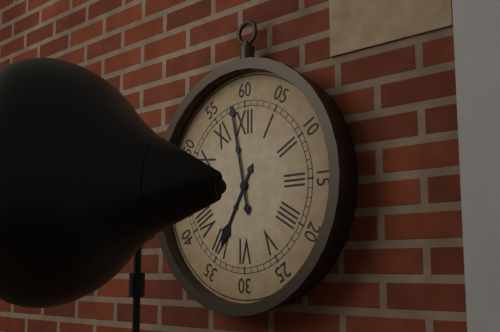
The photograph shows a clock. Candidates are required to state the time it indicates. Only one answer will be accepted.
6:58
